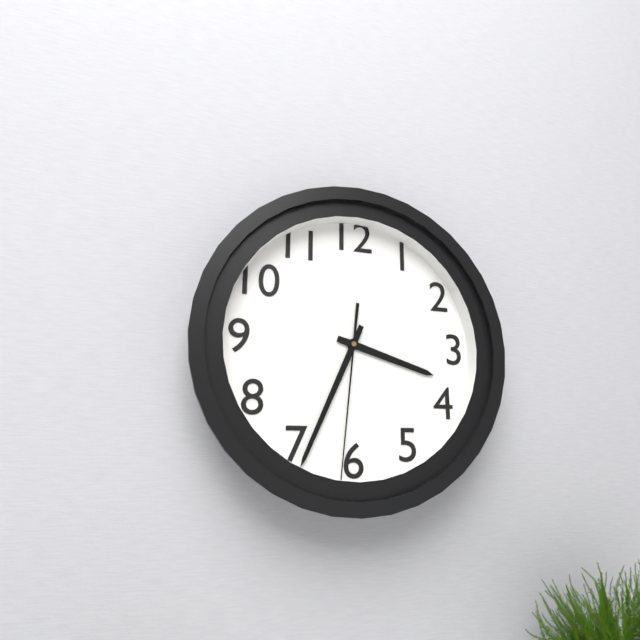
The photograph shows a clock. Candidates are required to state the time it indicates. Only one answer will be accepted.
3:34:31
